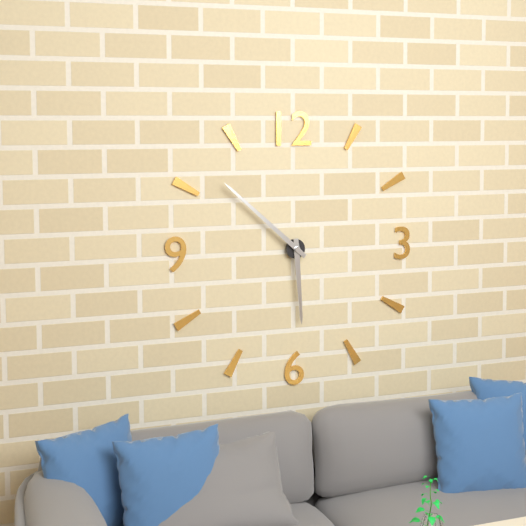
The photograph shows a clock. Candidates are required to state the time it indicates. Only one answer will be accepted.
5:52
